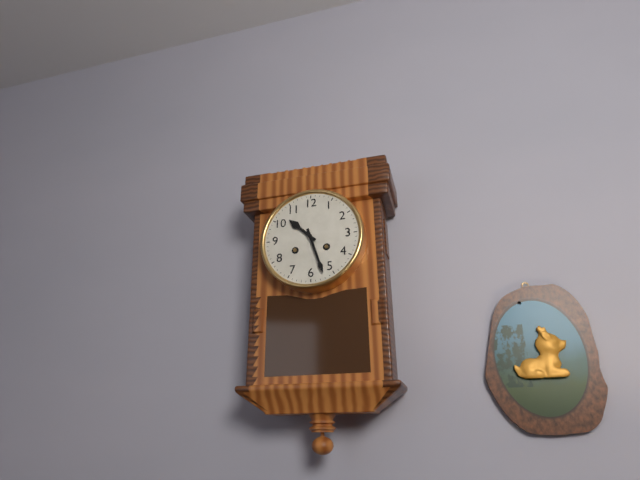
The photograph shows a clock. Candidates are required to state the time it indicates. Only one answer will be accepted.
10:27
